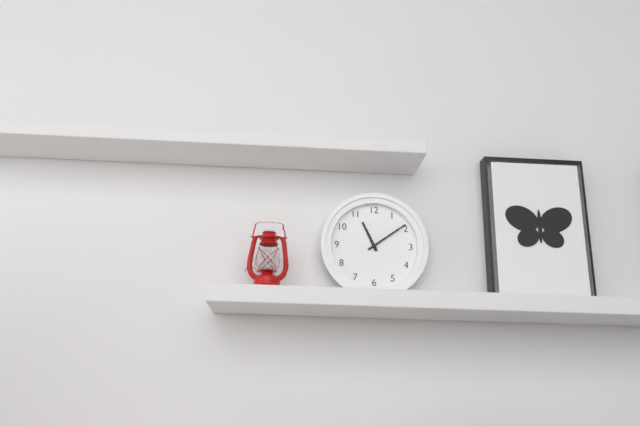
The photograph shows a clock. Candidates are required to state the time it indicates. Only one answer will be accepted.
11:09
